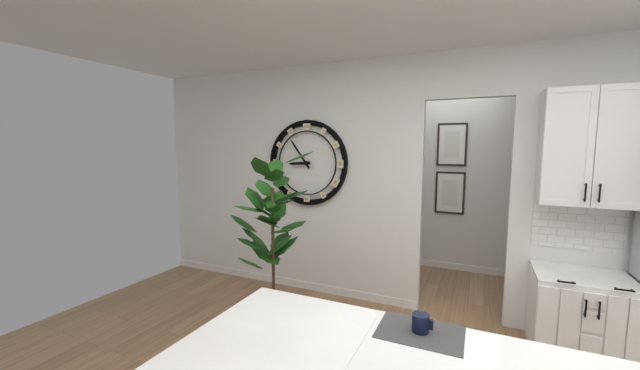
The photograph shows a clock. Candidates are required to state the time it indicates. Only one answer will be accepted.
8:54
